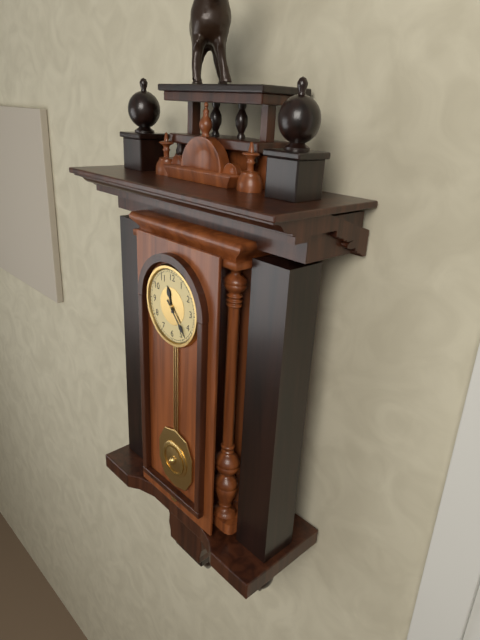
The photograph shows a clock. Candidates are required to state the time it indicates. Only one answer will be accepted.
11:23
